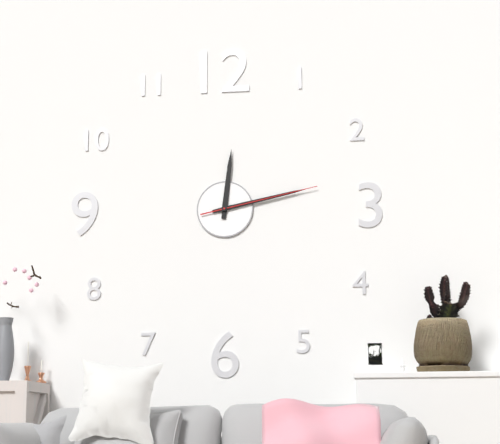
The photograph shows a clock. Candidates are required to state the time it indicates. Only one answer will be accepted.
12:13:13
